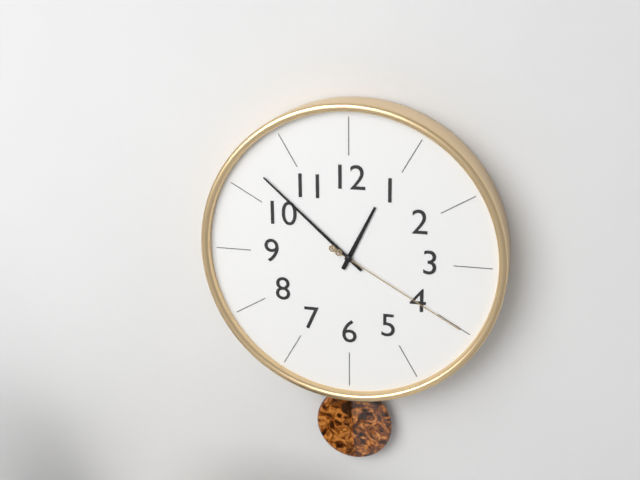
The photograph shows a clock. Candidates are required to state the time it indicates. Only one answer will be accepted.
12:52:20
